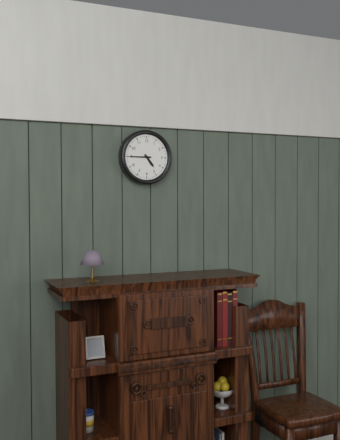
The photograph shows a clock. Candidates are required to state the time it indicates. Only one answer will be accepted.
4:45
